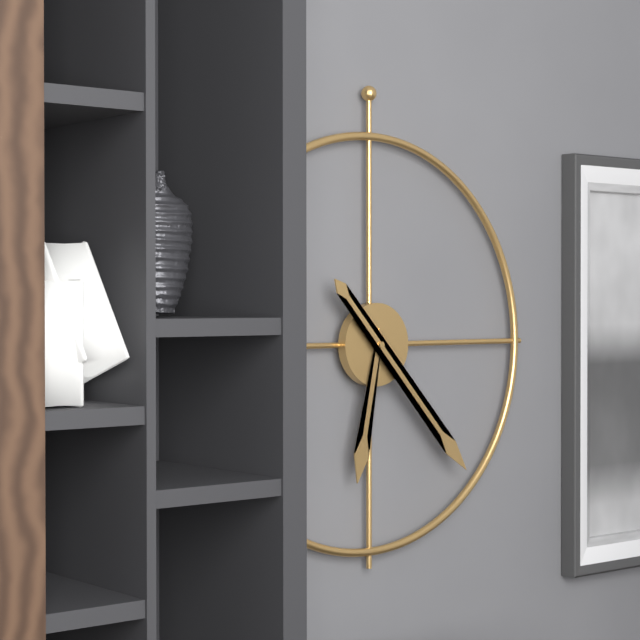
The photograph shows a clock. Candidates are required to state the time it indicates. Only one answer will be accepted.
6:23
